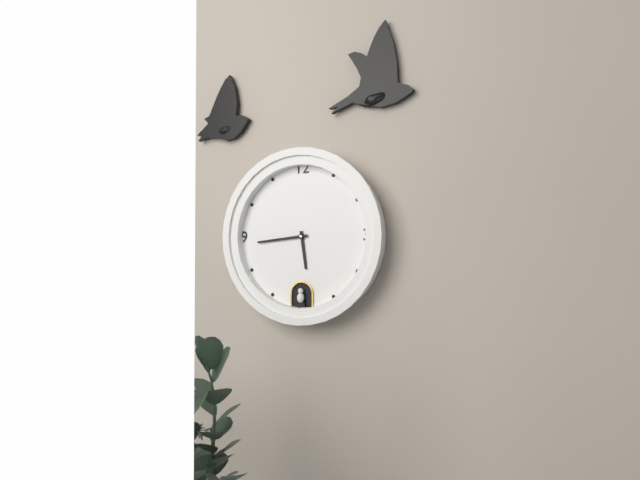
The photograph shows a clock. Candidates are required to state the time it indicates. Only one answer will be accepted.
5:44
